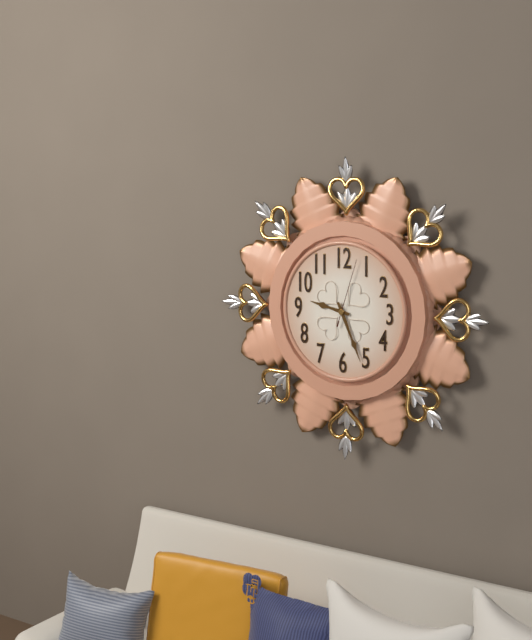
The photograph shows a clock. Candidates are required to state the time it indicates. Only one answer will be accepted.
9:26:03
